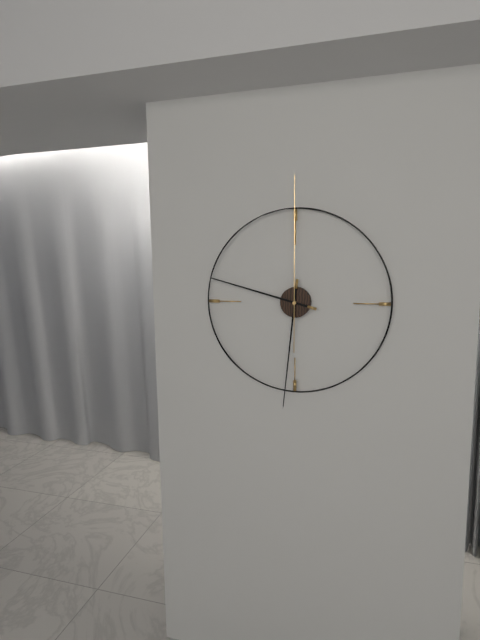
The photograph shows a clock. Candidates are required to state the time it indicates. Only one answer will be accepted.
9:31:00
